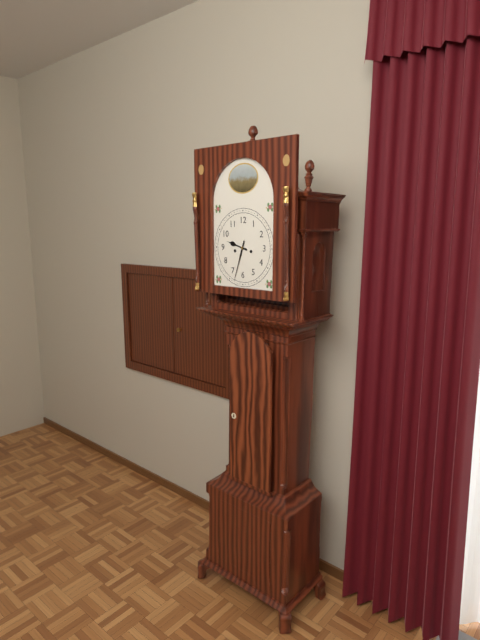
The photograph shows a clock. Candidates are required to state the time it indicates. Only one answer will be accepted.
9:33
